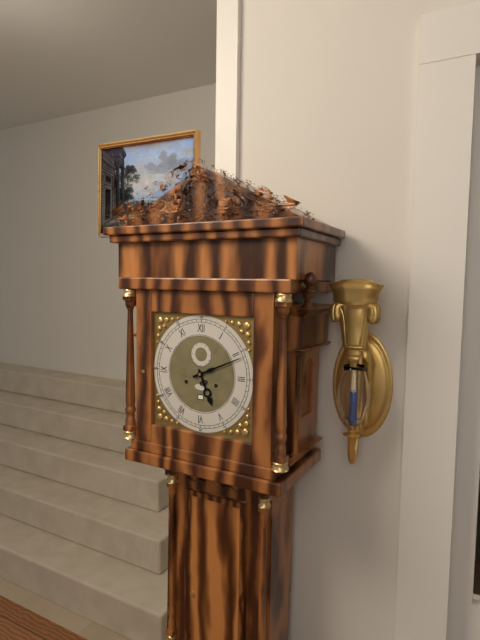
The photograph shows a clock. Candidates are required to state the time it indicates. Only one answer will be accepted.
5:11
